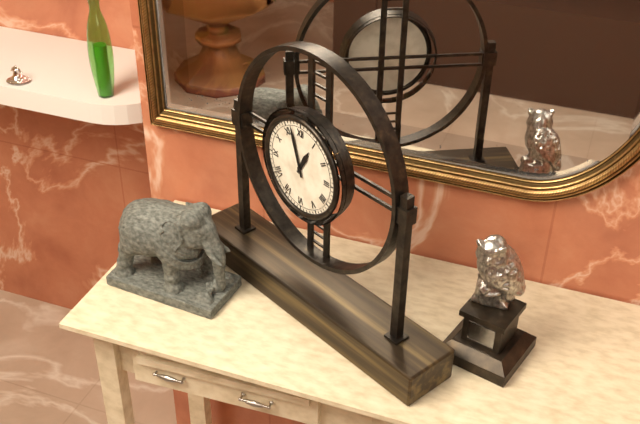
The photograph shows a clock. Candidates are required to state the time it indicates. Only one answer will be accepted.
12:57
